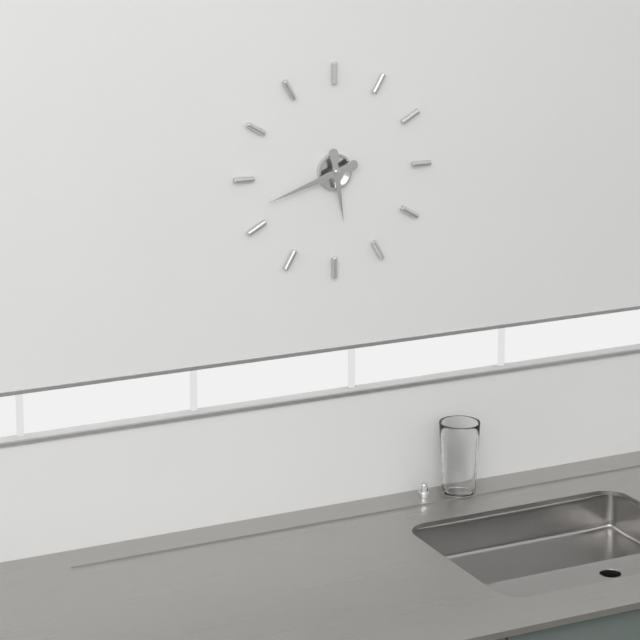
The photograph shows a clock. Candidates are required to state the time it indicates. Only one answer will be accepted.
5:42
